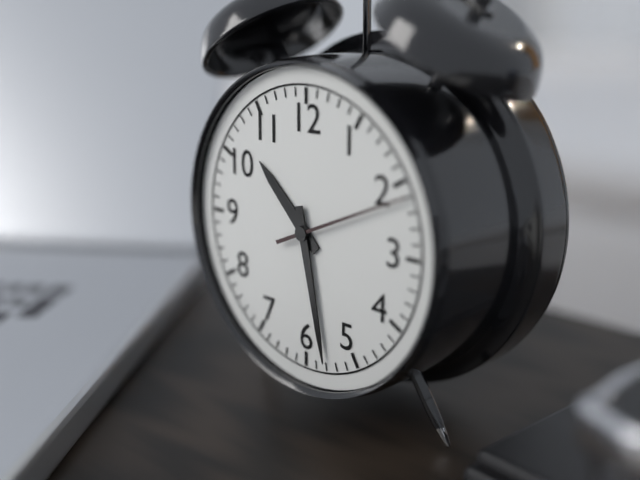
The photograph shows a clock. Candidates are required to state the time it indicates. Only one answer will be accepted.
10:28:11
